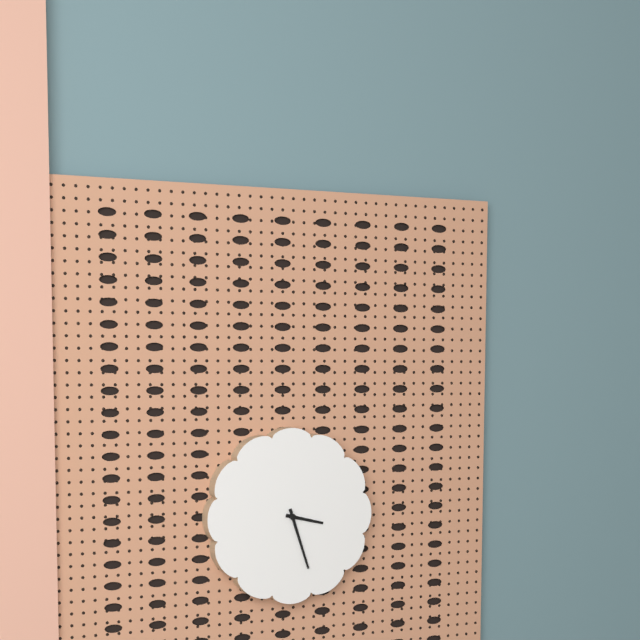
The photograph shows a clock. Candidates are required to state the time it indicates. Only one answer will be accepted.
3:27
